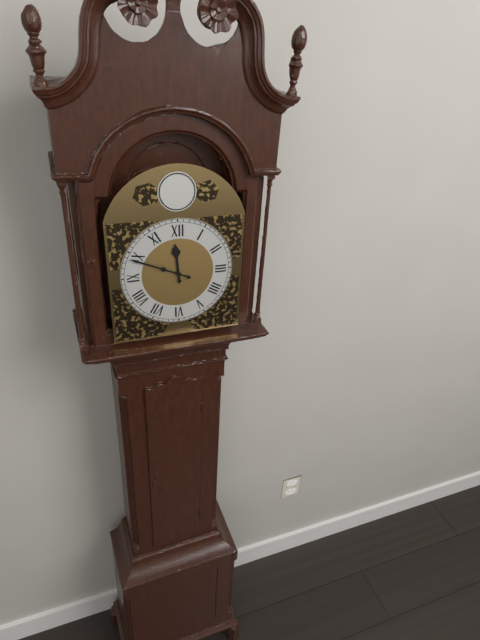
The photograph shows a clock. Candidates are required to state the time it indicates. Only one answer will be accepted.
11:49
